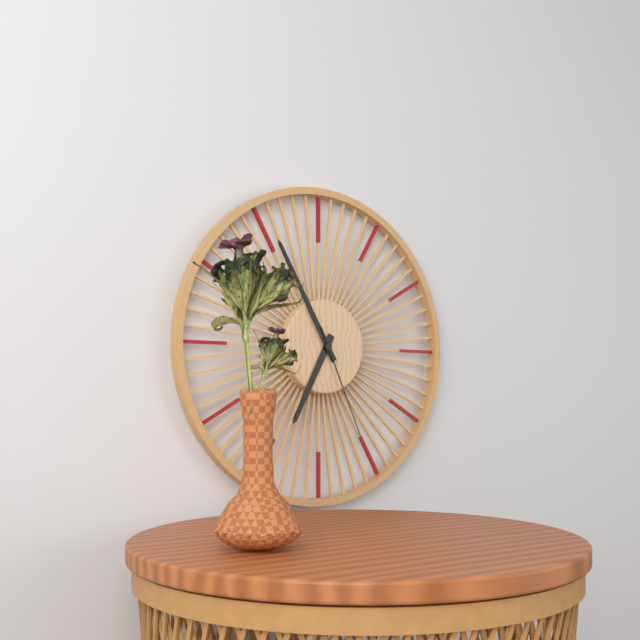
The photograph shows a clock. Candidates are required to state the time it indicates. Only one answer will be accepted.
6:55:26
